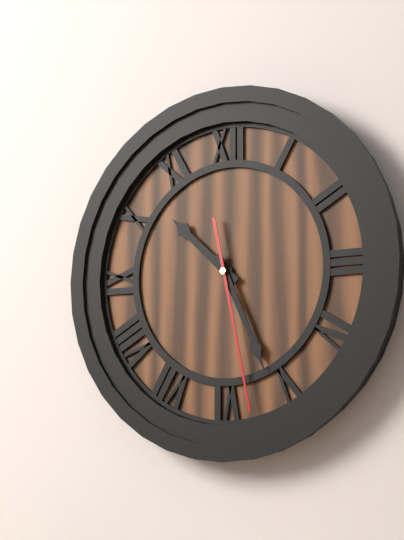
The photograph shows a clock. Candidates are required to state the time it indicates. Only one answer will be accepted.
10:26:28
